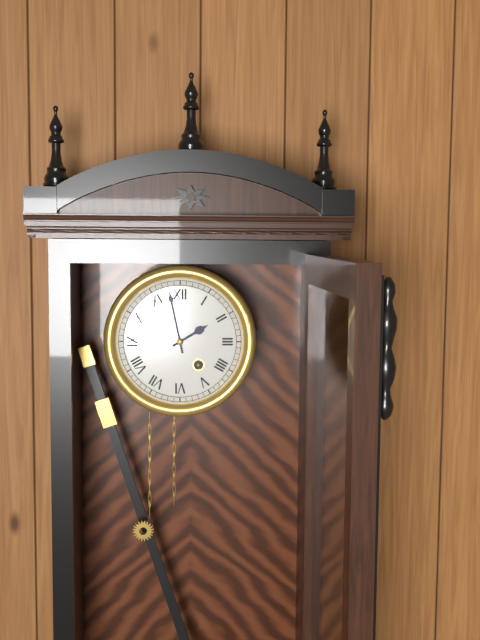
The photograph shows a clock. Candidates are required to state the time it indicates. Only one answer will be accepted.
1:58
